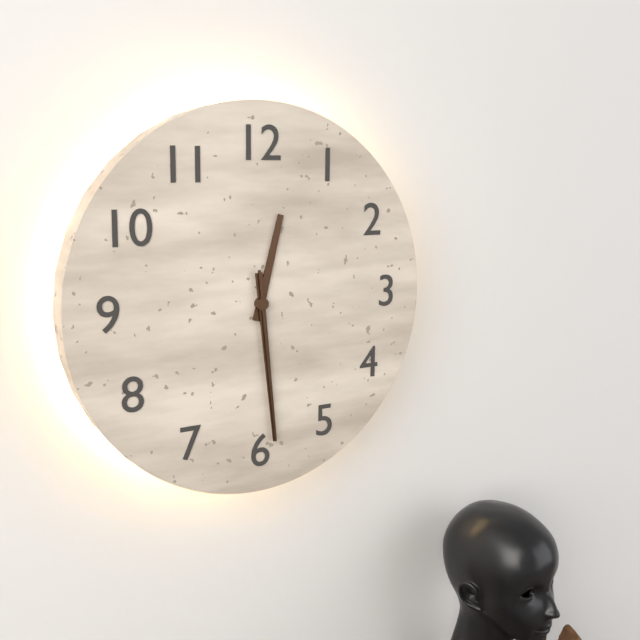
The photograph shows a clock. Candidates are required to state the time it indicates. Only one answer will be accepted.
12:29:29
